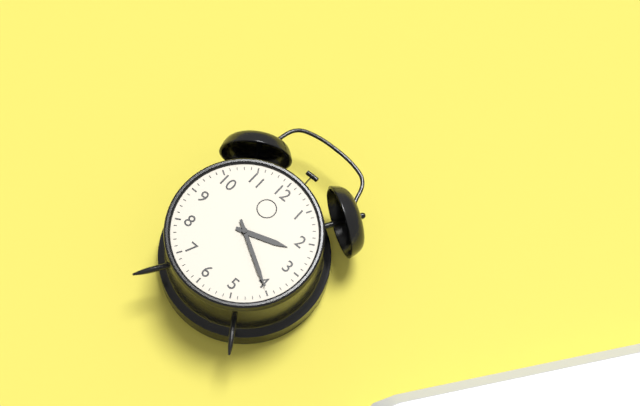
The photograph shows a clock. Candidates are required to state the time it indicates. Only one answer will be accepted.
2:20
